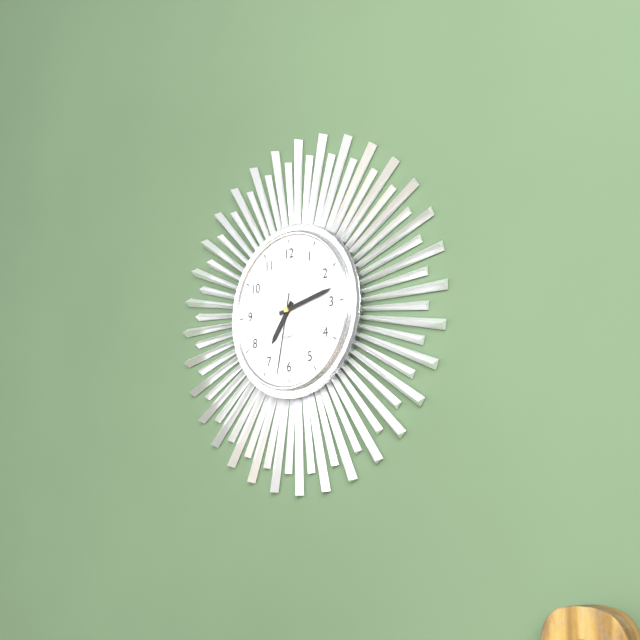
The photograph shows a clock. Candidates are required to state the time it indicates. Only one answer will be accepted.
7:13:32
